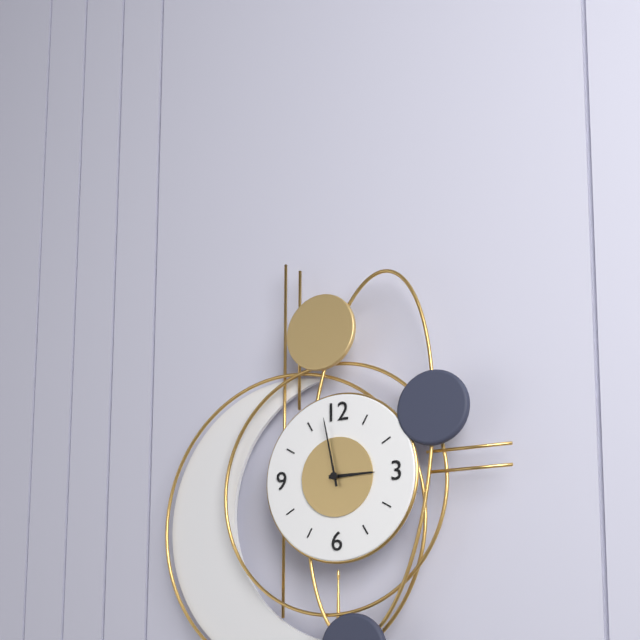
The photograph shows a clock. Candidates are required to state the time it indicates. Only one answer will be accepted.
2:58
